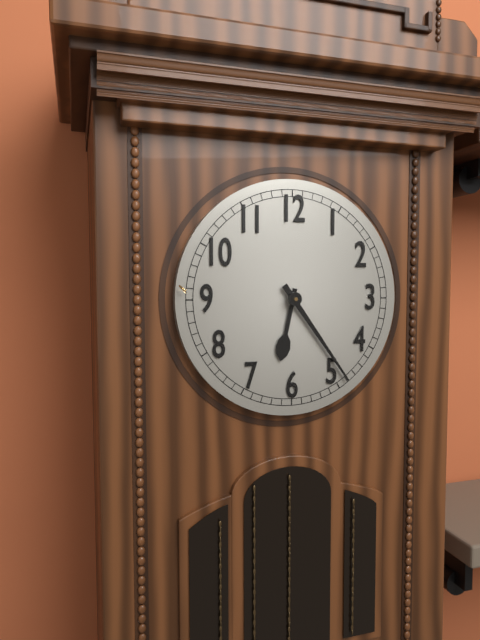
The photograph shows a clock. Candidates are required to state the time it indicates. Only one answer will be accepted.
6:24
